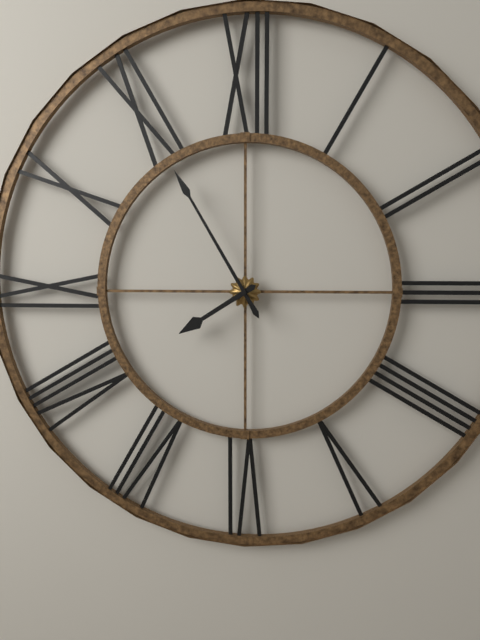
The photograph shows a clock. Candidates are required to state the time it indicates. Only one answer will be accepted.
7:55
